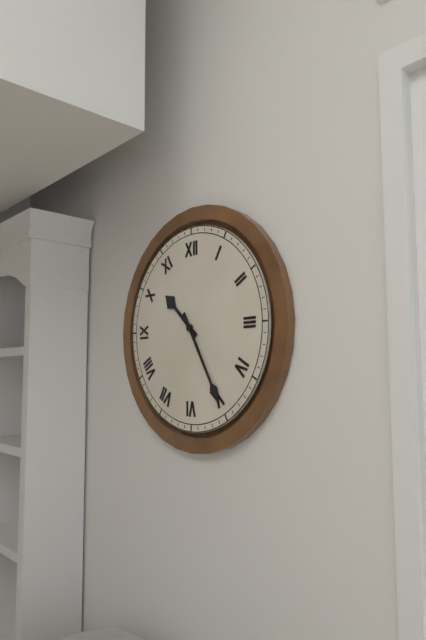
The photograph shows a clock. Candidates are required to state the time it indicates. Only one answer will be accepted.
10:25
